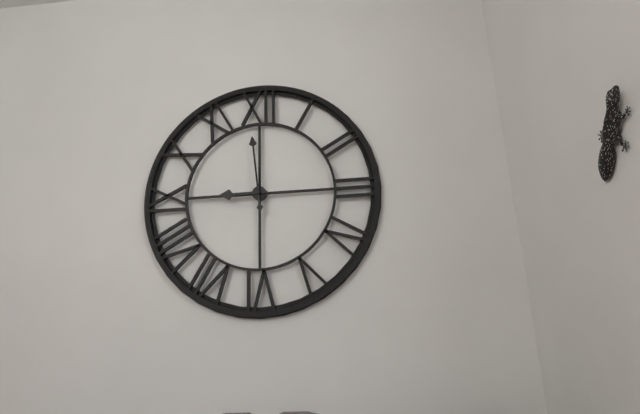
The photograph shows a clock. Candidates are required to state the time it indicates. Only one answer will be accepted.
8:59
